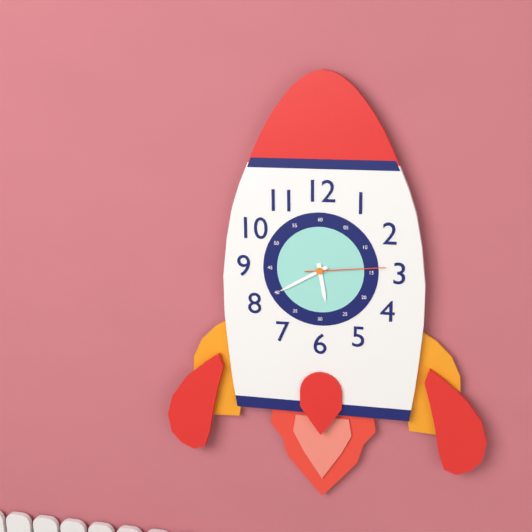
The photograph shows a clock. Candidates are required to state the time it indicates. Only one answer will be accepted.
5:40:14
